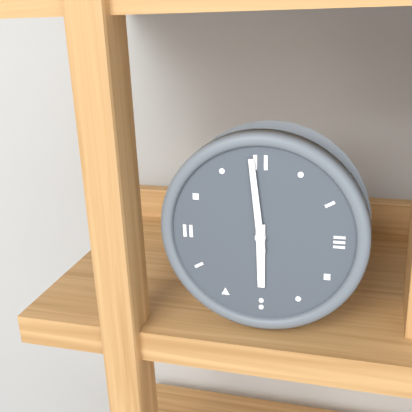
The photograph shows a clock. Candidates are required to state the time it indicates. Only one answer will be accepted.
5:59
